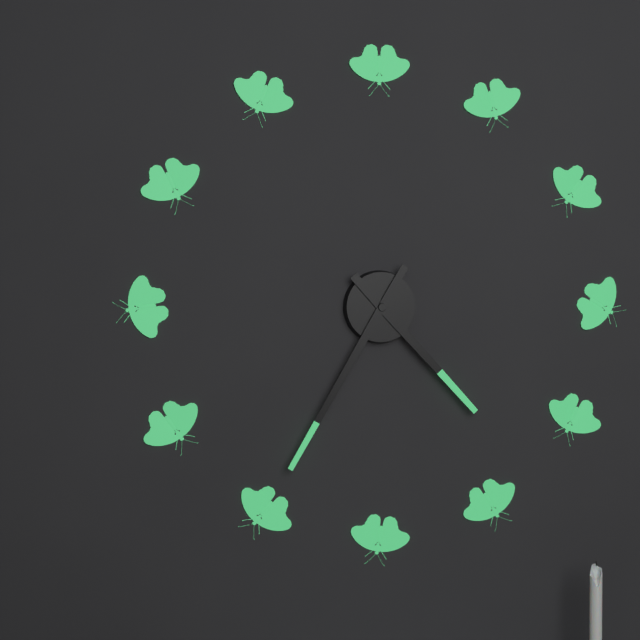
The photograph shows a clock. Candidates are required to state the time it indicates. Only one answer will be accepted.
4:35
